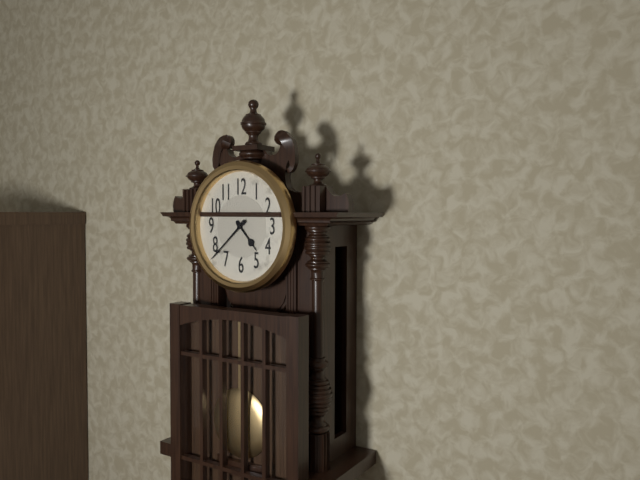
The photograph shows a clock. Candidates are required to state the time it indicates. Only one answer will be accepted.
4:38
